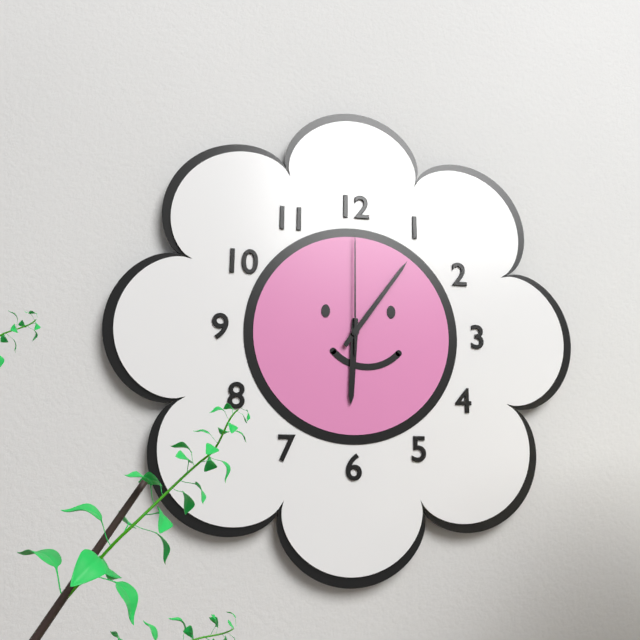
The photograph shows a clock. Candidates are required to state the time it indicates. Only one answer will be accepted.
6:06:00
